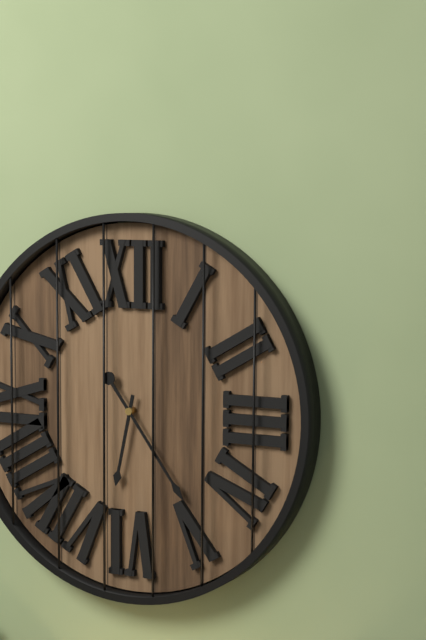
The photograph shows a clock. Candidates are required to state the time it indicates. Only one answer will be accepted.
6:24
